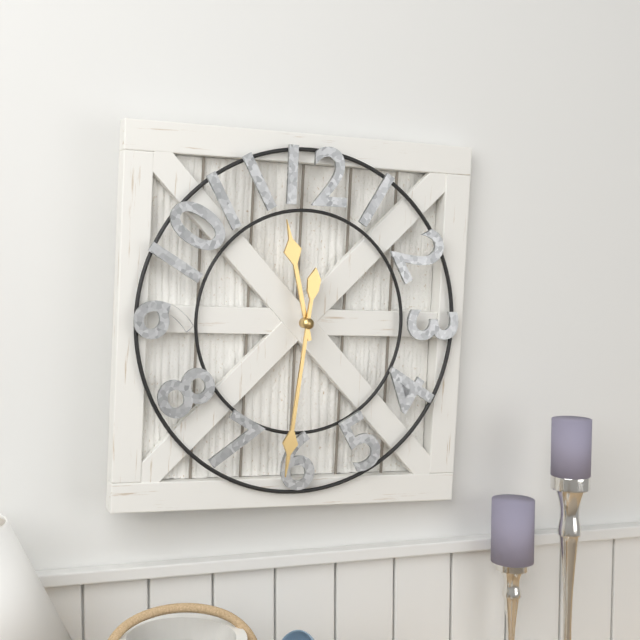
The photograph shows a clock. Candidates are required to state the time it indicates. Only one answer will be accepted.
11:31
